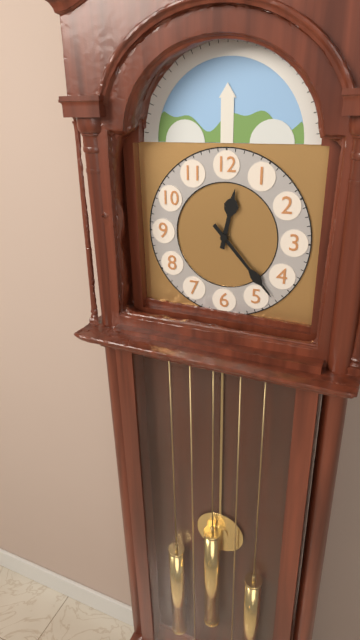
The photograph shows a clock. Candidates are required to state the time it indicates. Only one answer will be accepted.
12:23
